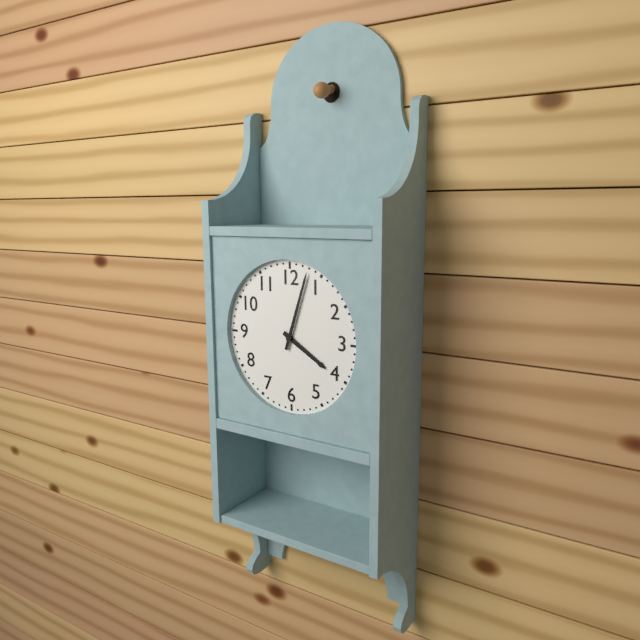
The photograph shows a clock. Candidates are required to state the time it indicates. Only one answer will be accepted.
4:03
